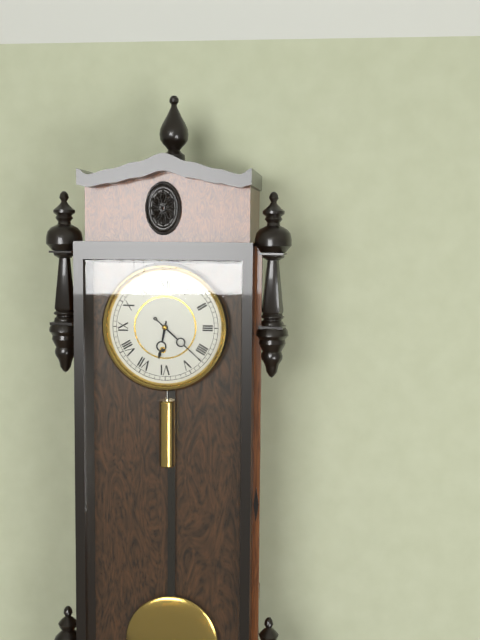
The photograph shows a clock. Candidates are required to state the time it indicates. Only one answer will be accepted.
6:22
